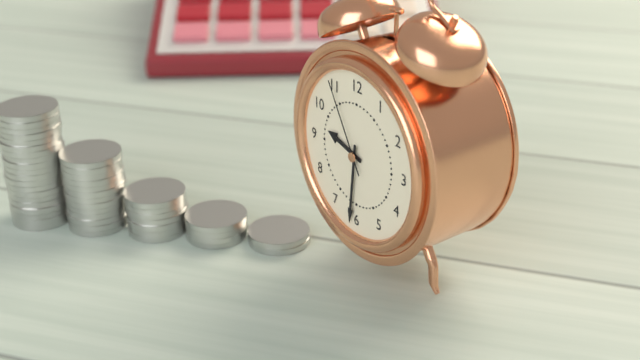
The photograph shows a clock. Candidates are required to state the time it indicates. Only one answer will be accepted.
9:31:55
